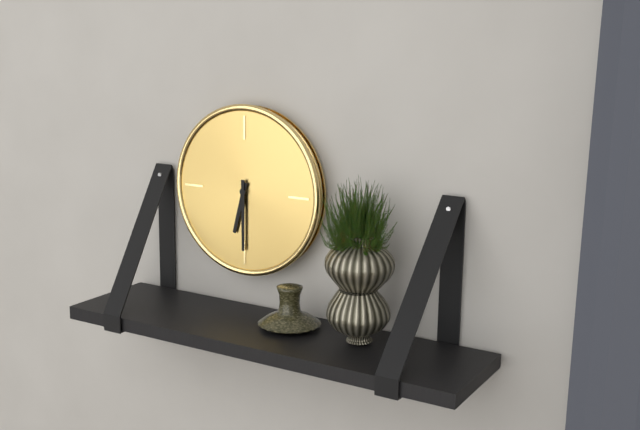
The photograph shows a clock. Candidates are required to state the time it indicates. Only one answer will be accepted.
6:30
